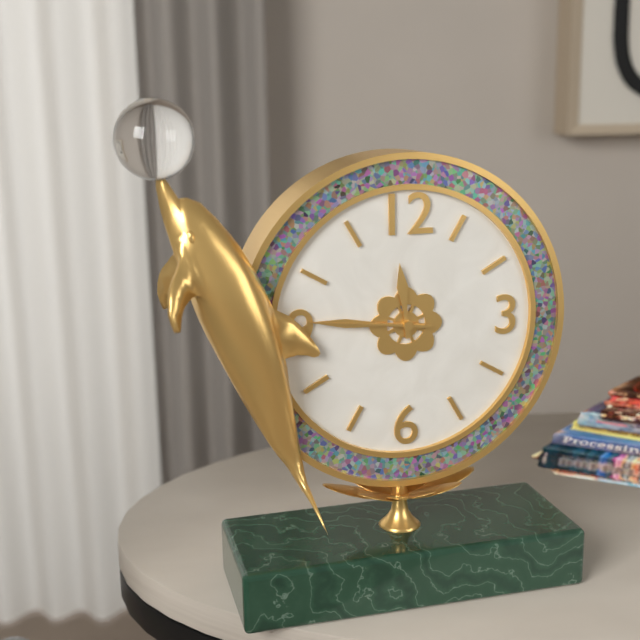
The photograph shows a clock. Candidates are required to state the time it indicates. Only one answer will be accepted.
11:46:46
